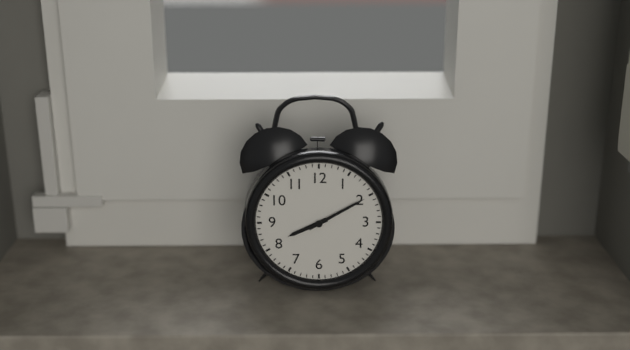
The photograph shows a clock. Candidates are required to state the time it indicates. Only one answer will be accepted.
8:10
